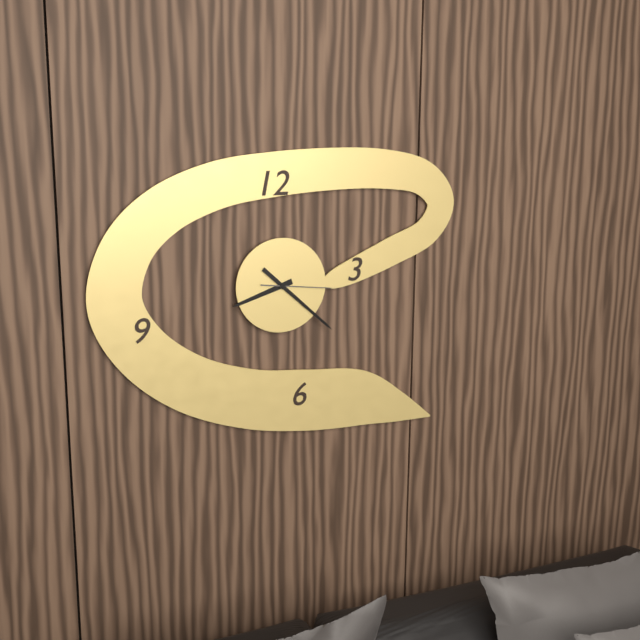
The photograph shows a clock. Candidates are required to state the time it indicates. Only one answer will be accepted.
8:22:16
